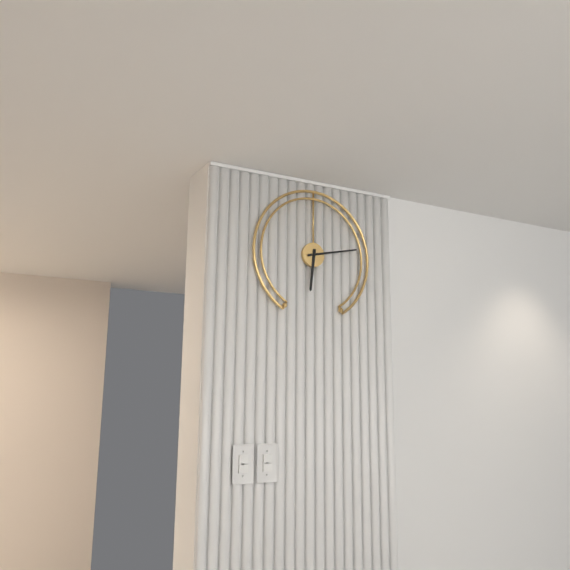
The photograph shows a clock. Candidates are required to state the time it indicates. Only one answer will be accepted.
6:13
